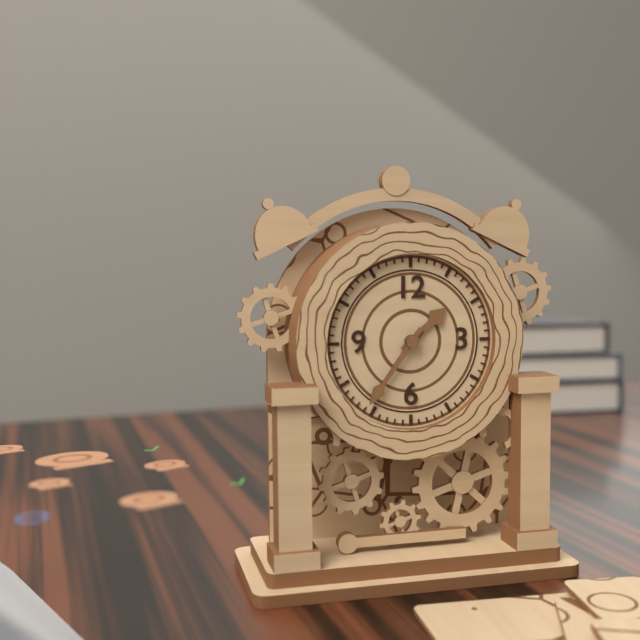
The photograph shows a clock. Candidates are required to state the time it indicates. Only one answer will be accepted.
1:36
